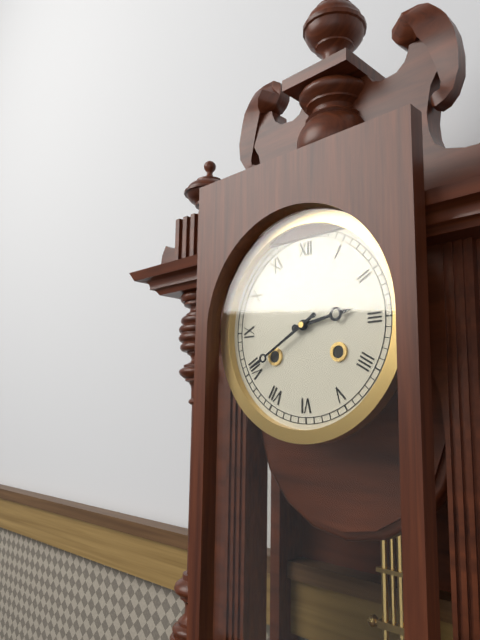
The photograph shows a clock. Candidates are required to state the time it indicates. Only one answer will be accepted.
2:40
